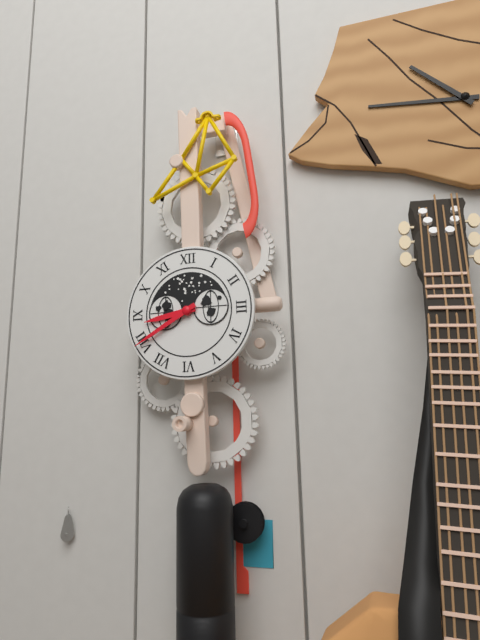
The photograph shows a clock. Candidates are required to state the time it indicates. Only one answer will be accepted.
8:40
